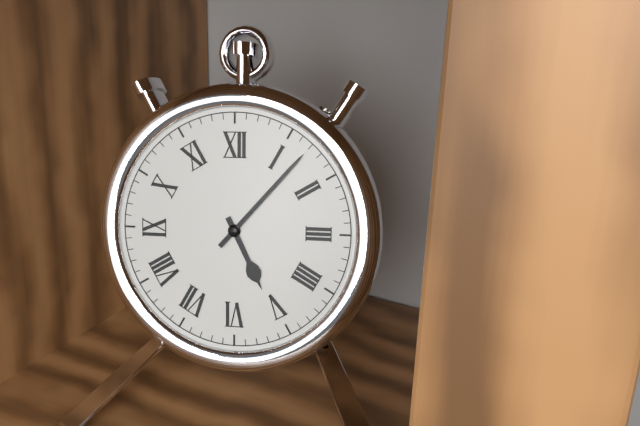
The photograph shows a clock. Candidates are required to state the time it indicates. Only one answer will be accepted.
5:07
